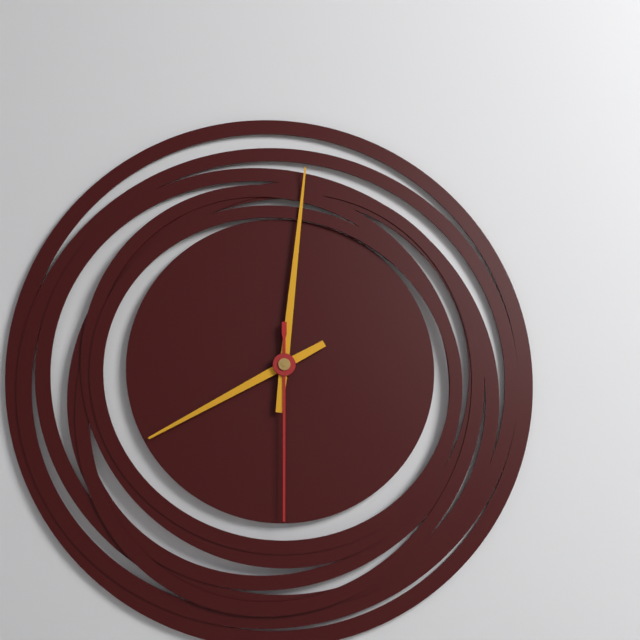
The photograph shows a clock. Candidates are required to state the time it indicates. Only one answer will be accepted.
8:01:30
